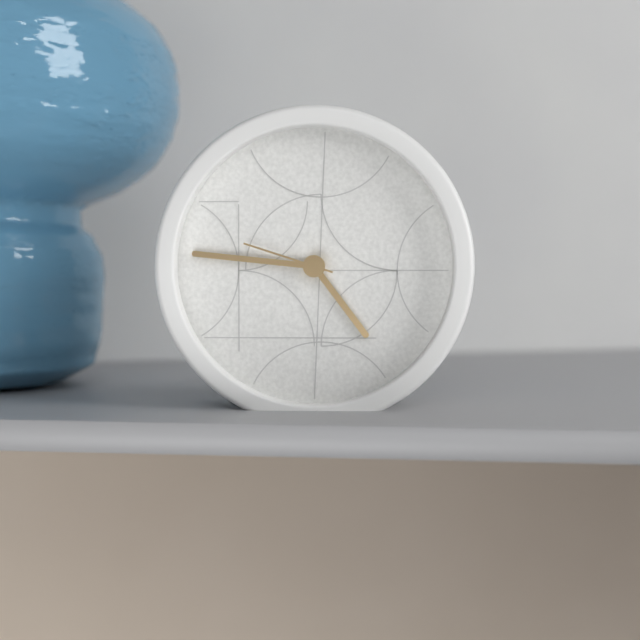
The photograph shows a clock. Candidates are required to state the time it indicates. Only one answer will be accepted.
4:46:48
